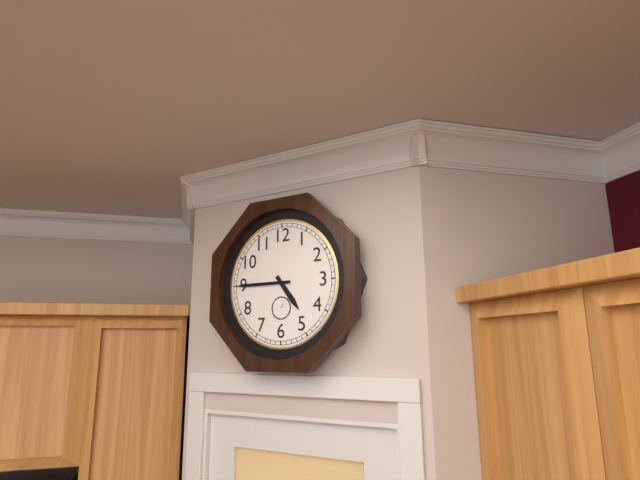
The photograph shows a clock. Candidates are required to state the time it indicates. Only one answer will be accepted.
4:45
